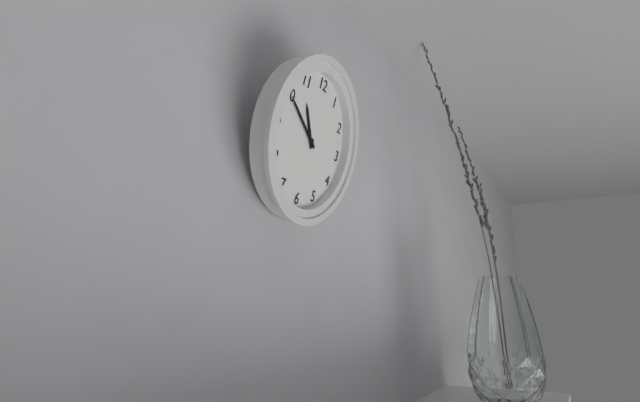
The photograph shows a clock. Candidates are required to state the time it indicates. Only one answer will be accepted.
10:50
